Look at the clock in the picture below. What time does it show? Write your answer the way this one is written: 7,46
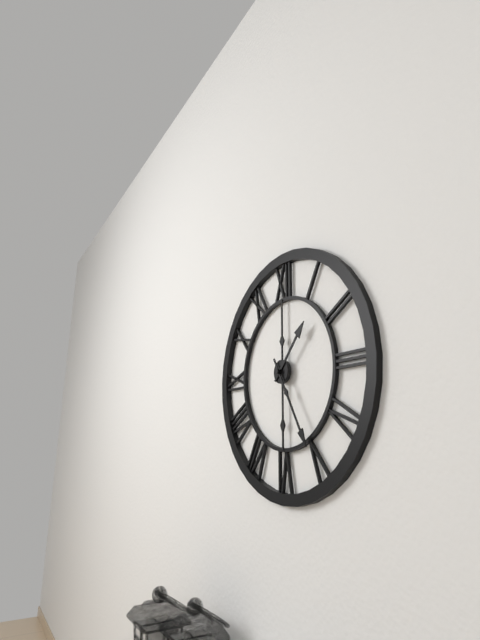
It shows 1,25
